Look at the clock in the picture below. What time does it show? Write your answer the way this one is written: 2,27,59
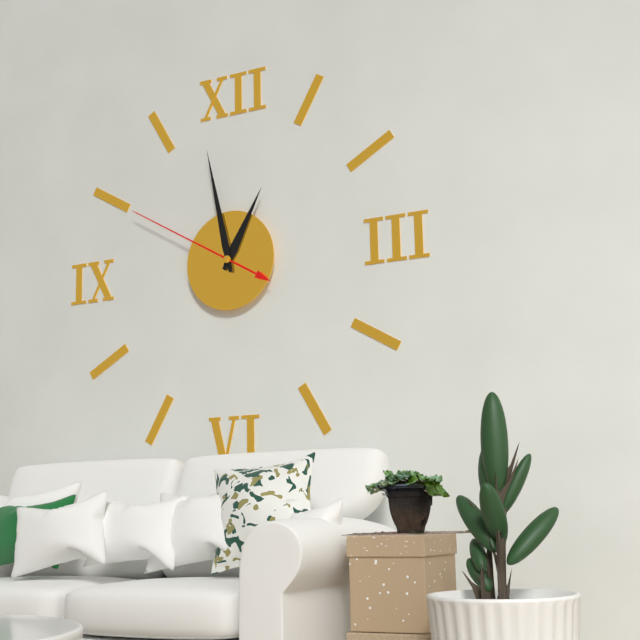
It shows 12,58,50
